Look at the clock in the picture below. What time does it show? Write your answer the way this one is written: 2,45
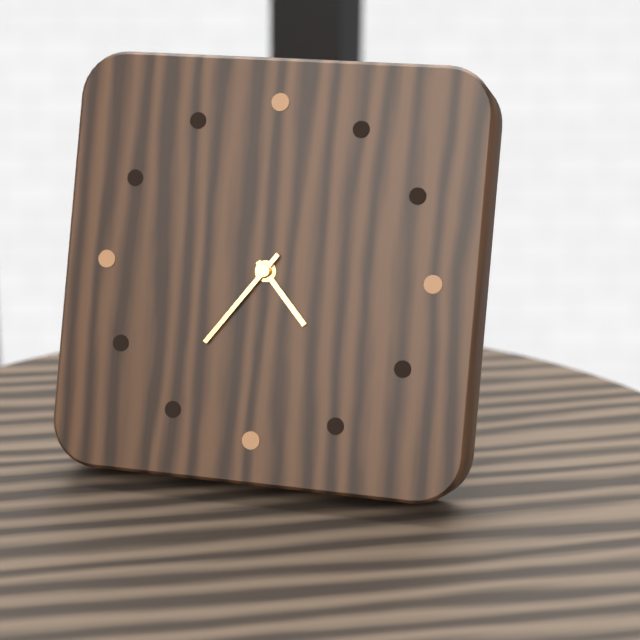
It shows 4,36
